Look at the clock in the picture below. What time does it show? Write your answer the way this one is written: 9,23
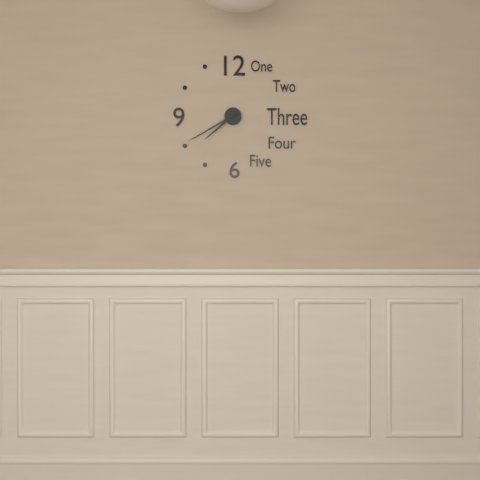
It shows 7,40
